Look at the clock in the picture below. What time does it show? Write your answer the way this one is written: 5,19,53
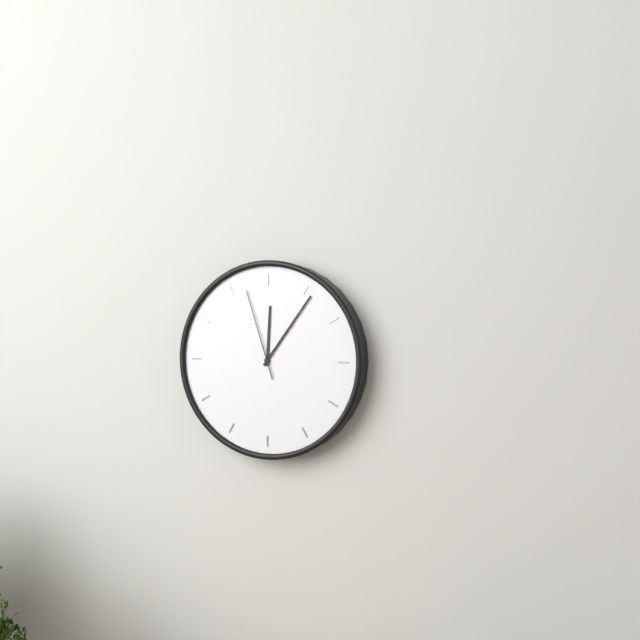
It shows 12,06,57
